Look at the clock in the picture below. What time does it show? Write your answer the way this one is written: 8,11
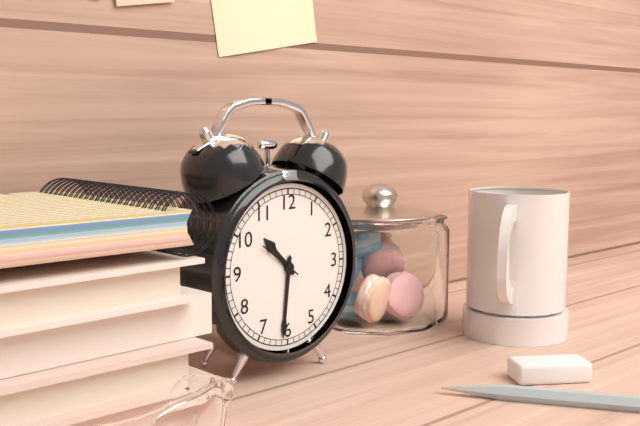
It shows 10,31
